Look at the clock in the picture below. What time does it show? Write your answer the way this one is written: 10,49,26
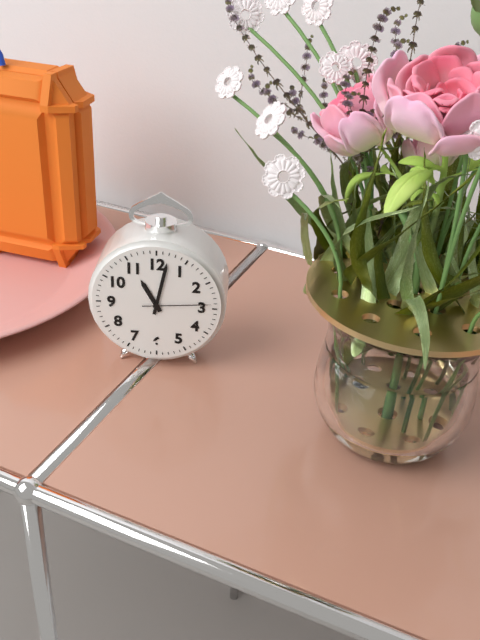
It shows 11,02,14
